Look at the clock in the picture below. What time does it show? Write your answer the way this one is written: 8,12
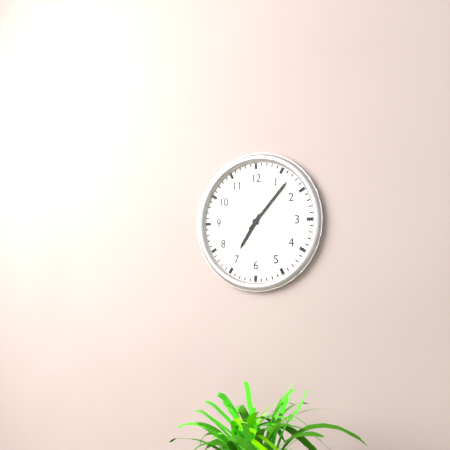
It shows 7,07
